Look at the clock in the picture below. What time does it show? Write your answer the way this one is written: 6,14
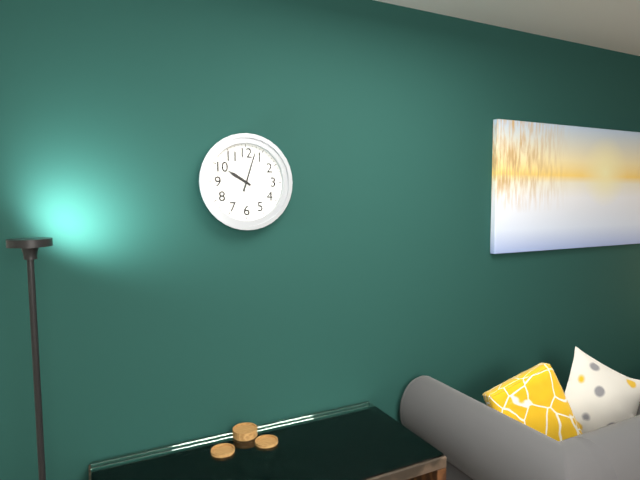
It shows 10,03
